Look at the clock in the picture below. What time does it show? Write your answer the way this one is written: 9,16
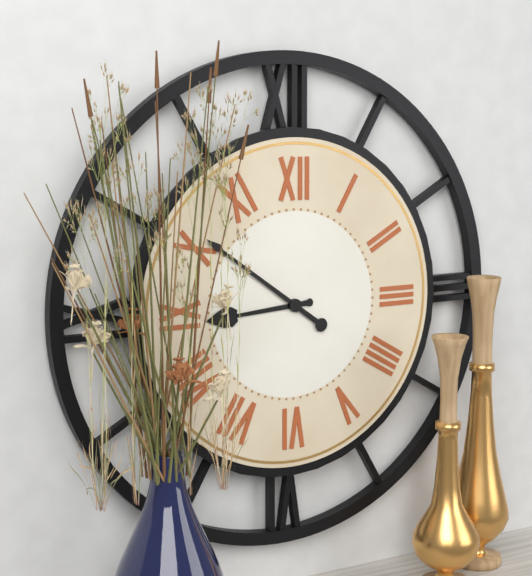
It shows 8,51
